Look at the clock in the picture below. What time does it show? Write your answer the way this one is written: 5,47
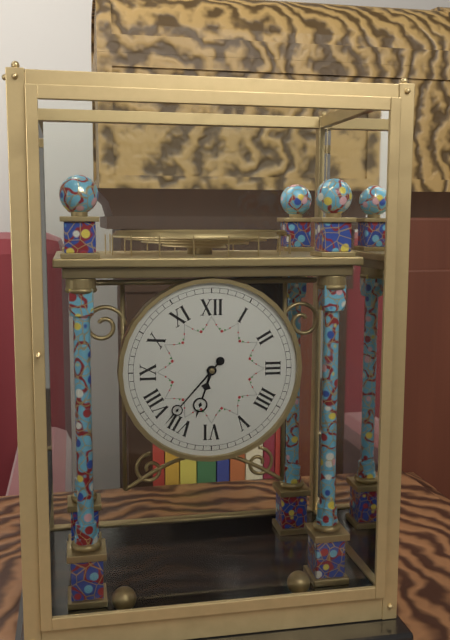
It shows 6,37
